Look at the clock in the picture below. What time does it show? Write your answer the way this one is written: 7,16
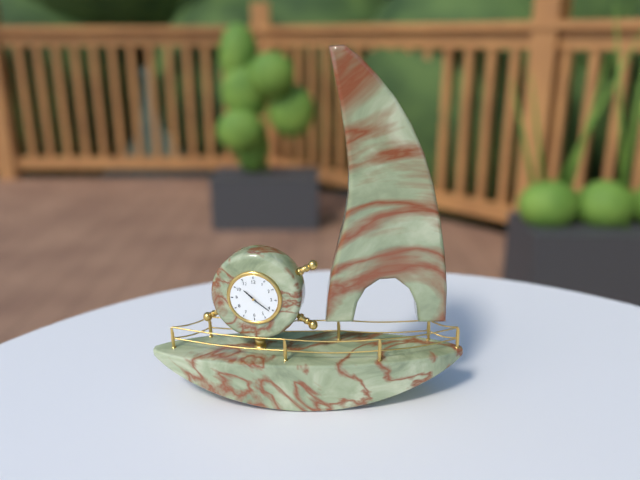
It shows 10,21
